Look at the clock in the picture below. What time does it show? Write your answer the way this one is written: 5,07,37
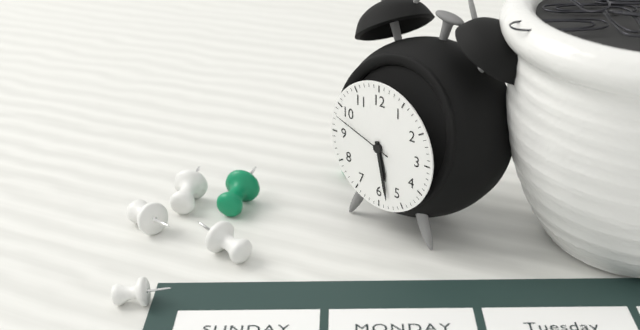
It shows 5,28,48
